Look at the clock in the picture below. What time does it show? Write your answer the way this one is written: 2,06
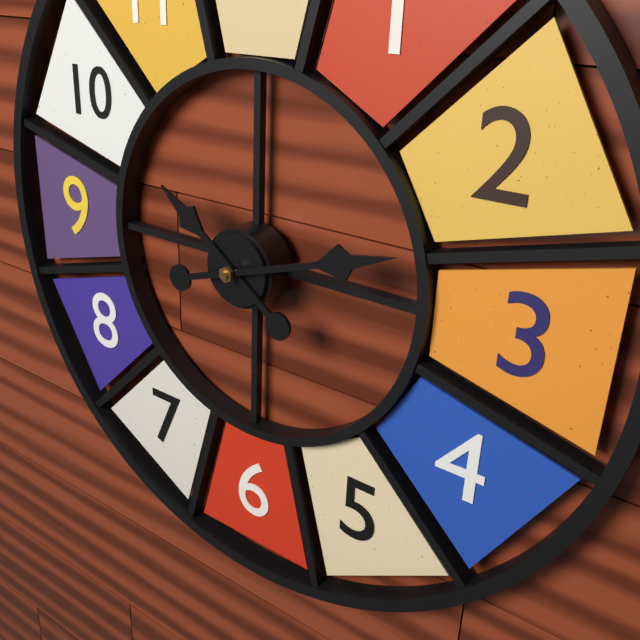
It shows 10,12
